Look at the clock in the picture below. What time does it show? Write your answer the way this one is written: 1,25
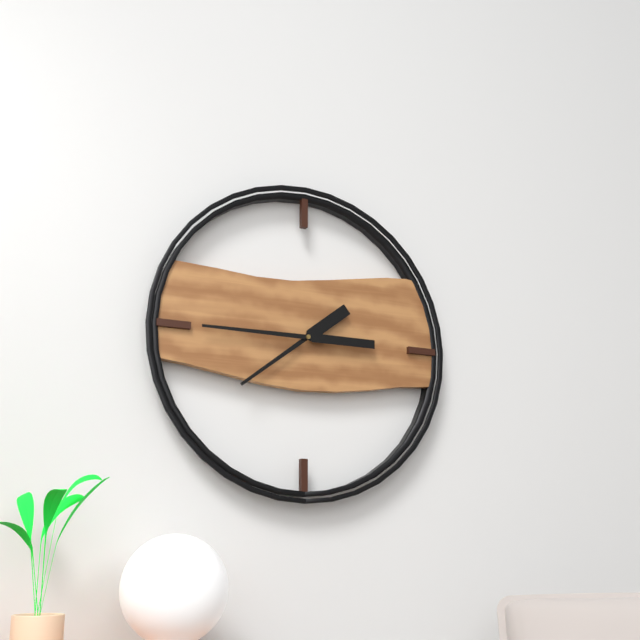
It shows 7,45
